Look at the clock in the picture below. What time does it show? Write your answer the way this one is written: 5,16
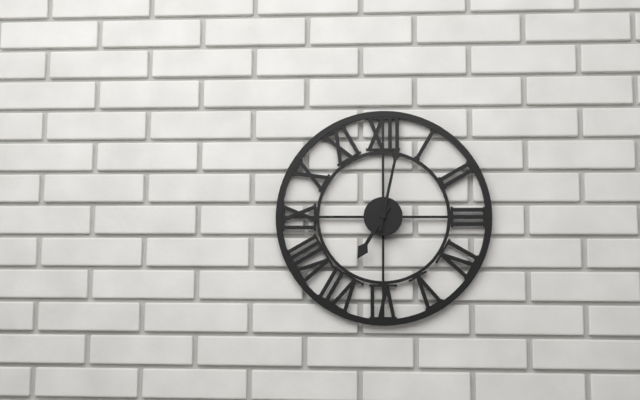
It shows 7,02
